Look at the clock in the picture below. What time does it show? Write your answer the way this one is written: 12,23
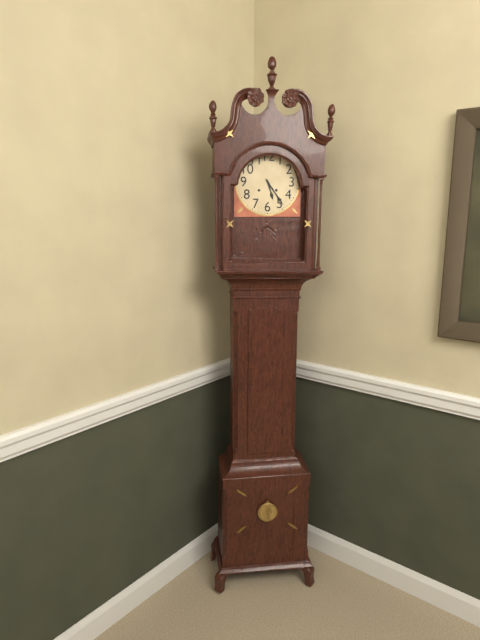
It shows 5,24
